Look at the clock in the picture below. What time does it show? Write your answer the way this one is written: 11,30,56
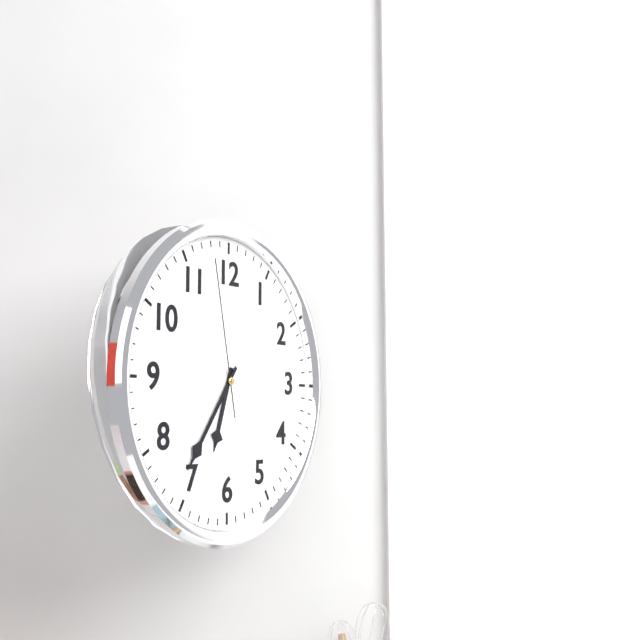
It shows 6,36,58
